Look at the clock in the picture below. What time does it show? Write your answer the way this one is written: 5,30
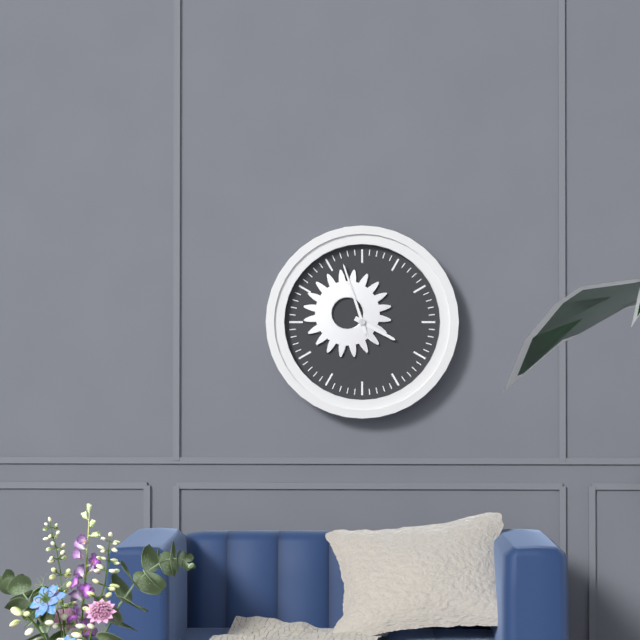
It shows 3,57
